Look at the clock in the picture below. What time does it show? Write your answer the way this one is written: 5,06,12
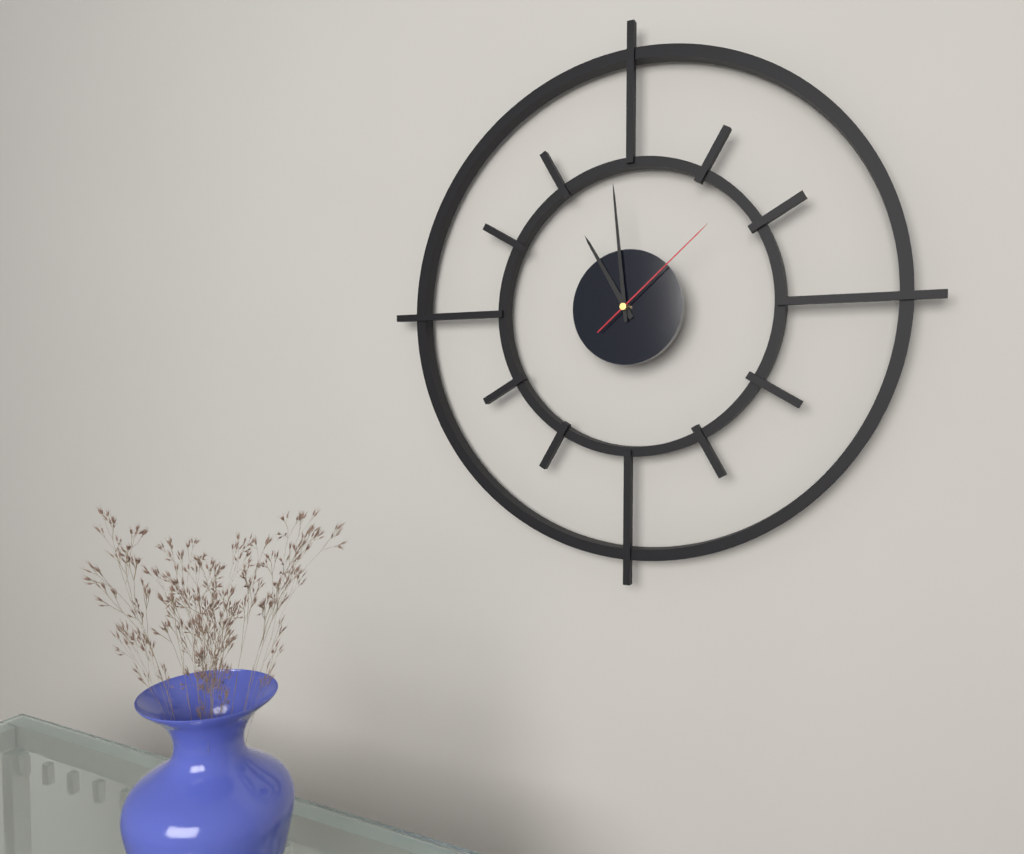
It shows 10,59,08
